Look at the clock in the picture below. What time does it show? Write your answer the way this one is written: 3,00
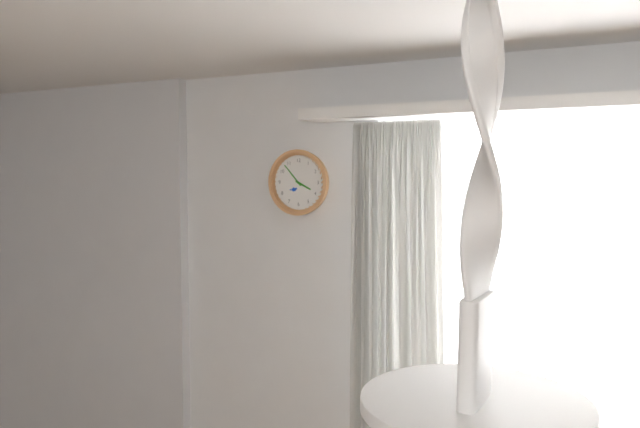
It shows 3,53
